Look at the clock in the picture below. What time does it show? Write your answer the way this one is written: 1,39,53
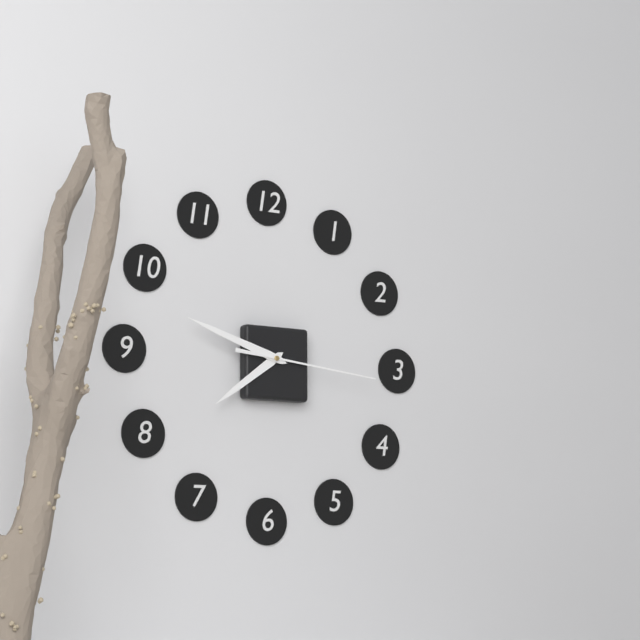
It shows 7,48,16
